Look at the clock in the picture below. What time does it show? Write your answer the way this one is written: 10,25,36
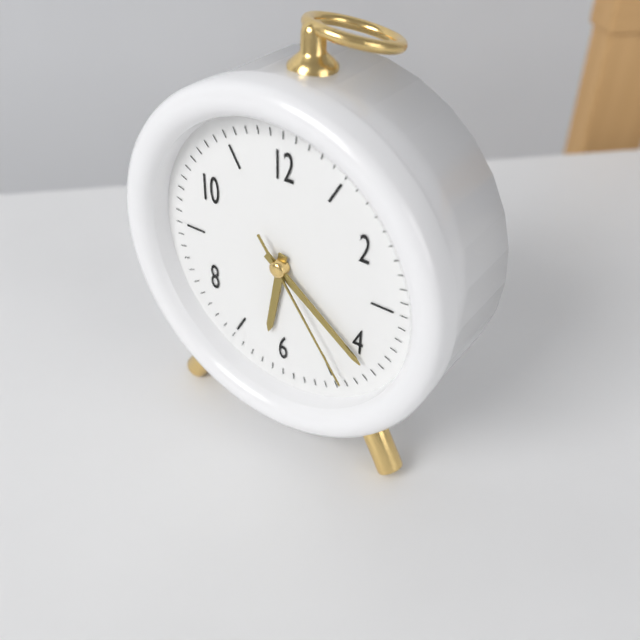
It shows 6,21,24
